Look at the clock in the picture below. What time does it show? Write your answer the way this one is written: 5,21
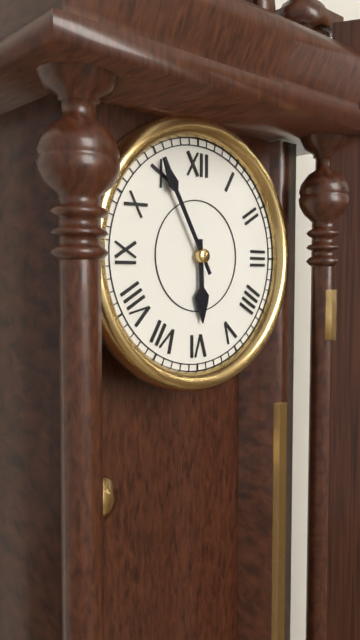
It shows 5,55
